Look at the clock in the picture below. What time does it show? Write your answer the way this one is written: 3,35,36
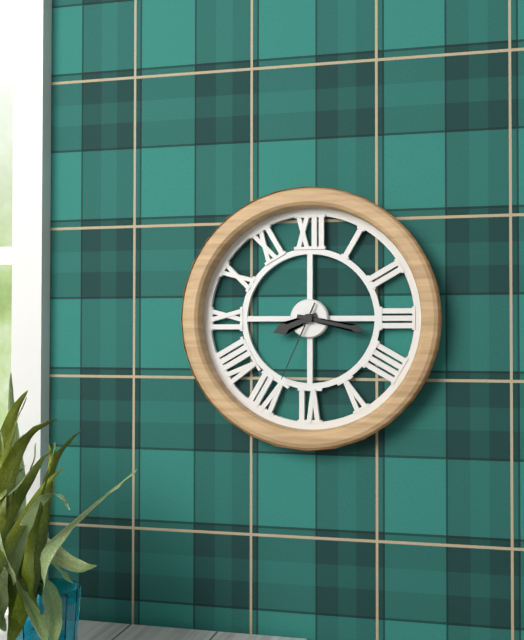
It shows 8,17,34
